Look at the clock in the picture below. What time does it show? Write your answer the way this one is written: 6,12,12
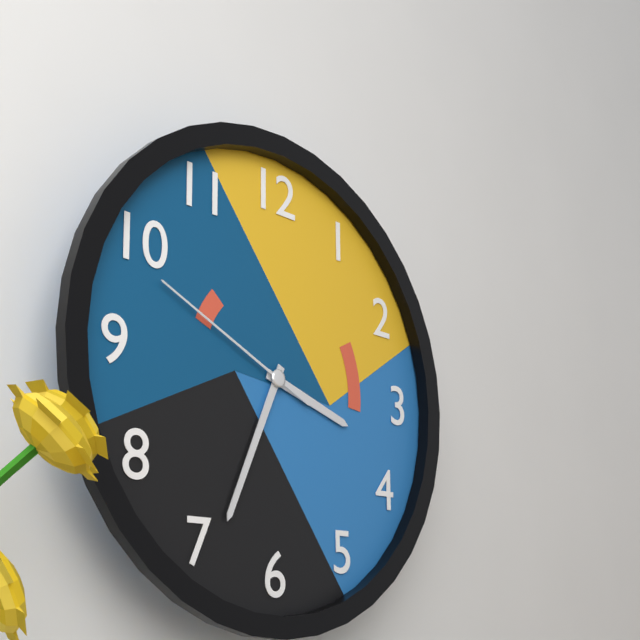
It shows 3,34,49
